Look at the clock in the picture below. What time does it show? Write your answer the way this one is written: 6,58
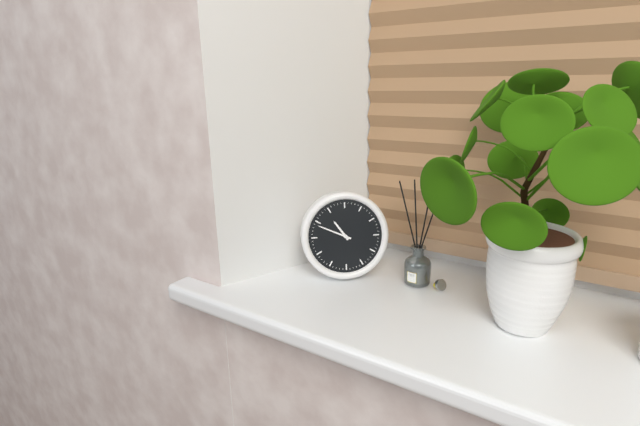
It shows 10,49
